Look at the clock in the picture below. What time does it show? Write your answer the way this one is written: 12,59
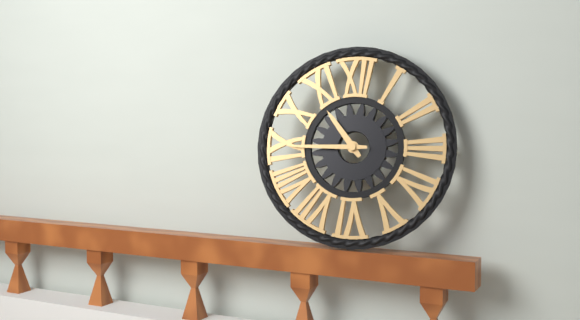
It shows 10,45
